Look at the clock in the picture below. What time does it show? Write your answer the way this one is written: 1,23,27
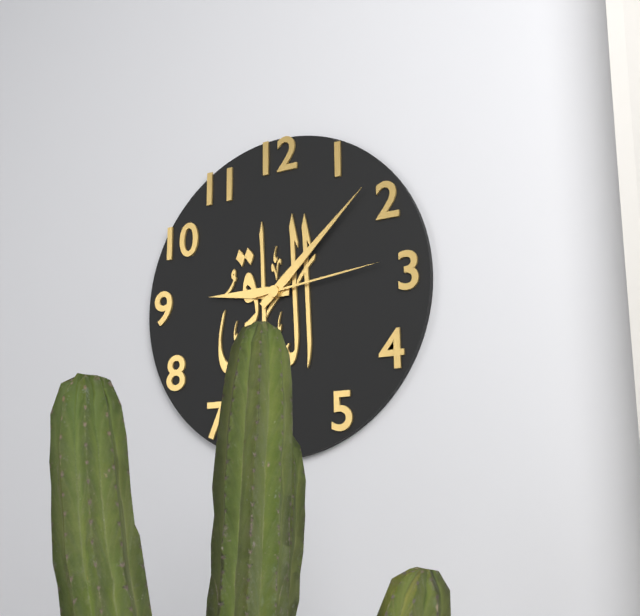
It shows 9,08,14
